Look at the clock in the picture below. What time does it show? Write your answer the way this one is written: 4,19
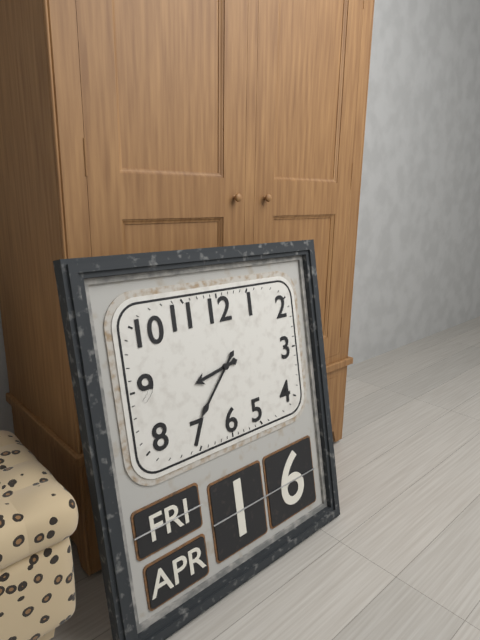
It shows 8,37
